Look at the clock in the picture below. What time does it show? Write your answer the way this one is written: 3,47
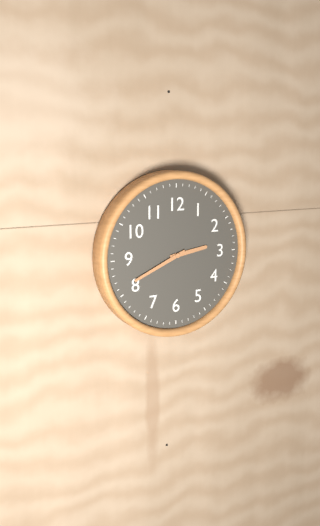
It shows 2,41
